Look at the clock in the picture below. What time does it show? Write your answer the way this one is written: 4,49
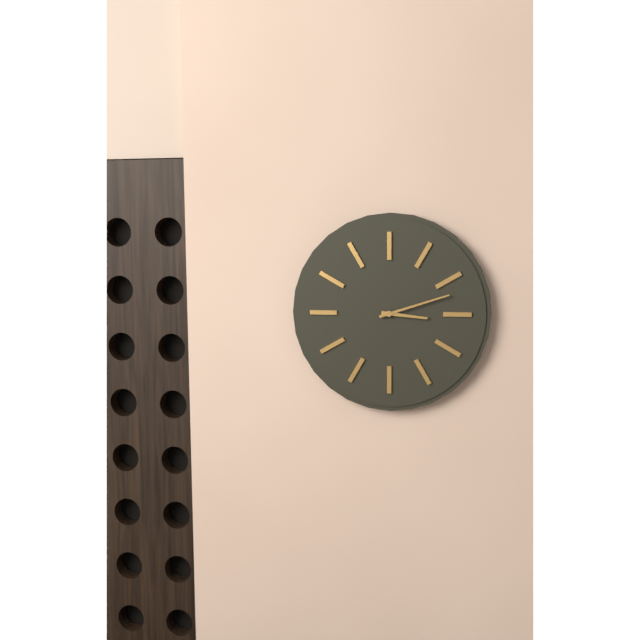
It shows 3,12
